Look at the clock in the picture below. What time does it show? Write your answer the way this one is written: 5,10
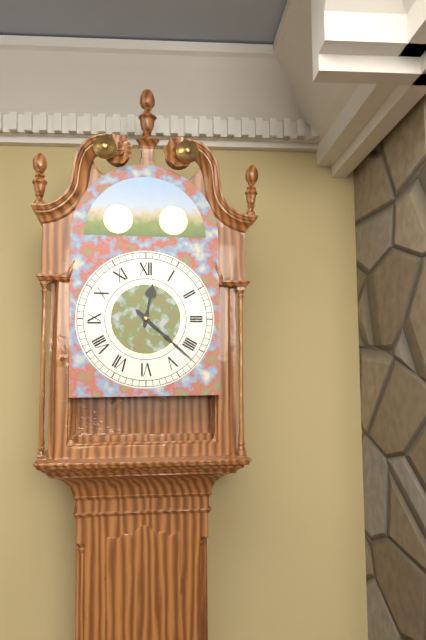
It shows 12,22
